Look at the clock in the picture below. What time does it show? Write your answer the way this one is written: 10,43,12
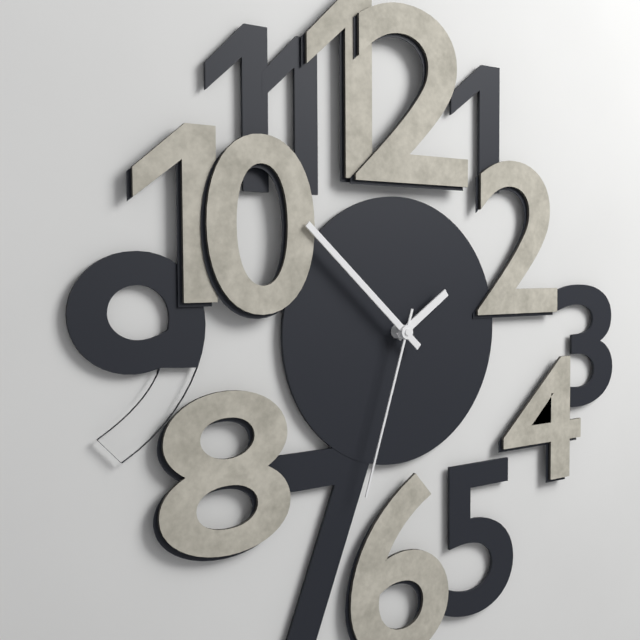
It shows 1,52,33
